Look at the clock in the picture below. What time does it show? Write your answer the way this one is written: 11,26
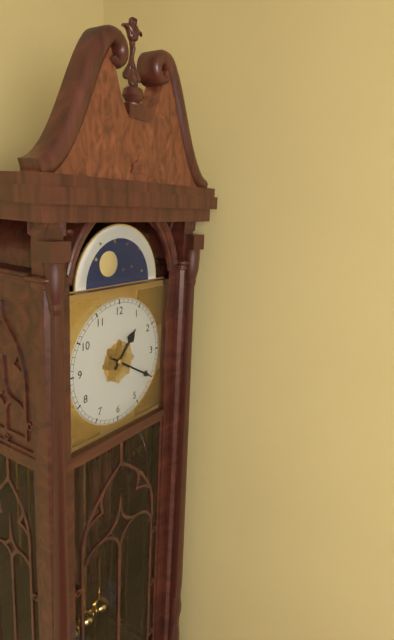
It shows 1,20
